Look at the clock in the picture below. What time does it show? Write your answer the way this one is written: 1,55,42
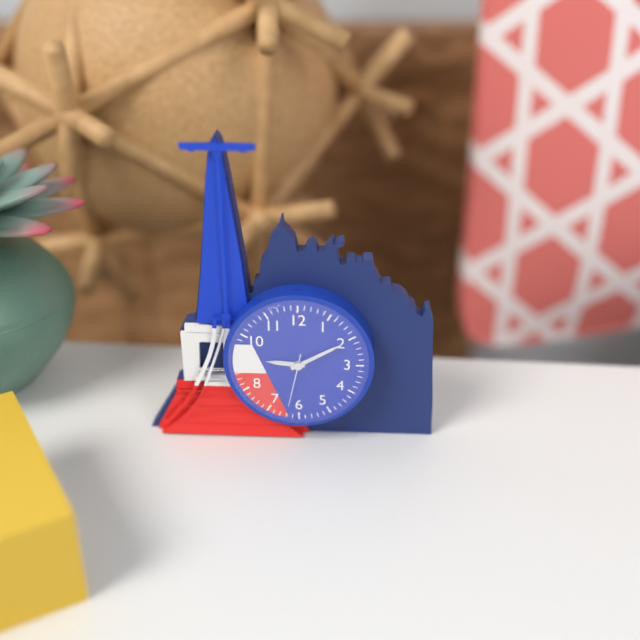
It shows 9,10,32
